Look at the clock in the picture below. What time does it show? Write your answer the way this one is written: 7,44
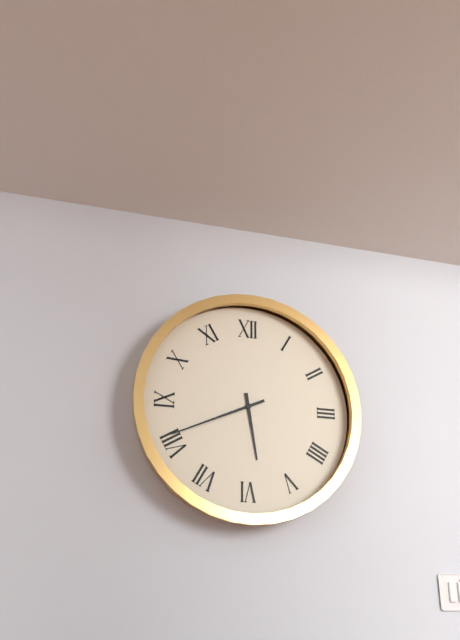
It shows 5,41
